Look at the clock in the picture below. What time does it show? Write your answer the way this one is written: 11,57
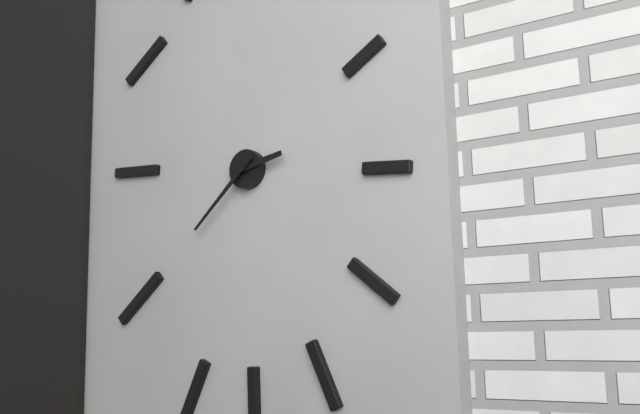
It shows 2,38
